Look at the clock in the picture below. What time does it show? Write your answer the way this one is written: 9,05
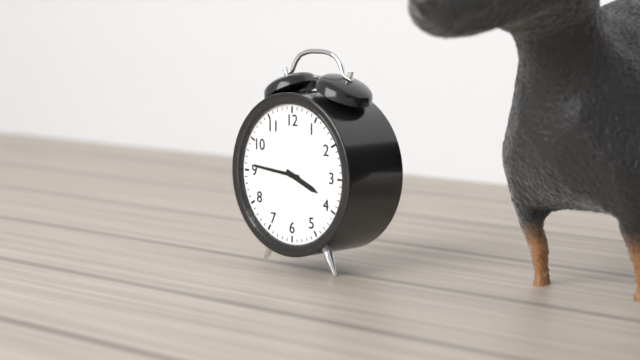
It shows 3,46
